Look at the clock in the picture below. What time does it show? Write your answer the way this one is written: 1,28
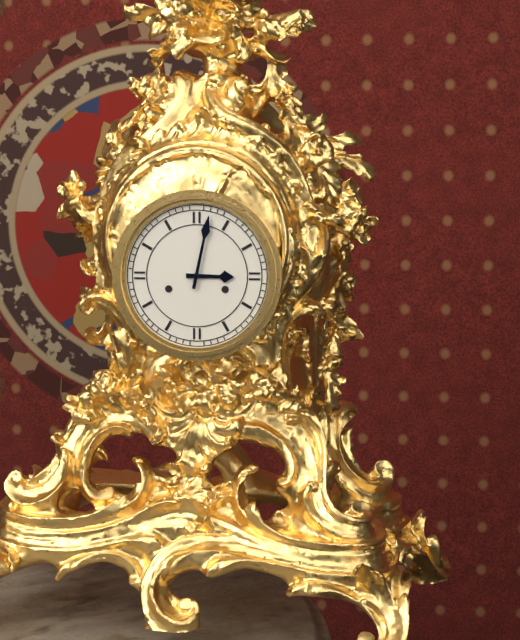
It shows 3,02
